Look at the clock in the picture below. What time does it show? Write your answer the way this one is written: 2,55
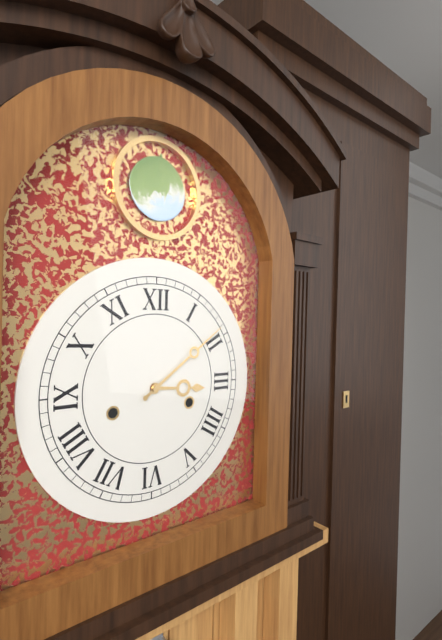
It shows 3,09
